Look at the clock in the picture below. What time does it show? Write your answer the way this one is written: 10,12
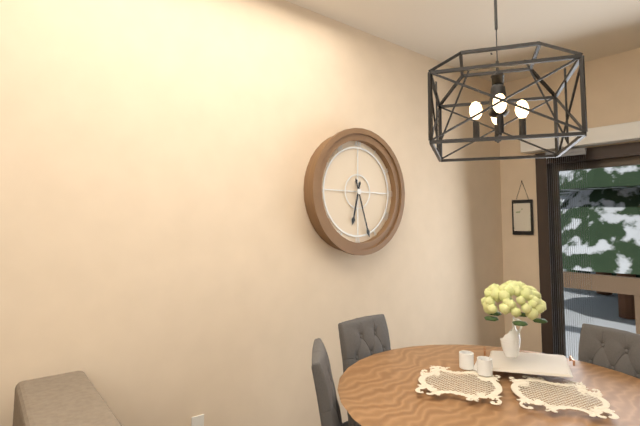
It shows 6,27
